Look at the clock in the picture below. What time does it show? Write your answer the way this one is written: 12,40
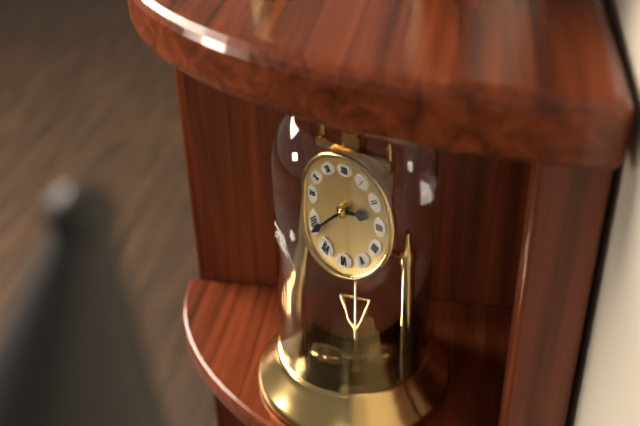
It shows 2,39
